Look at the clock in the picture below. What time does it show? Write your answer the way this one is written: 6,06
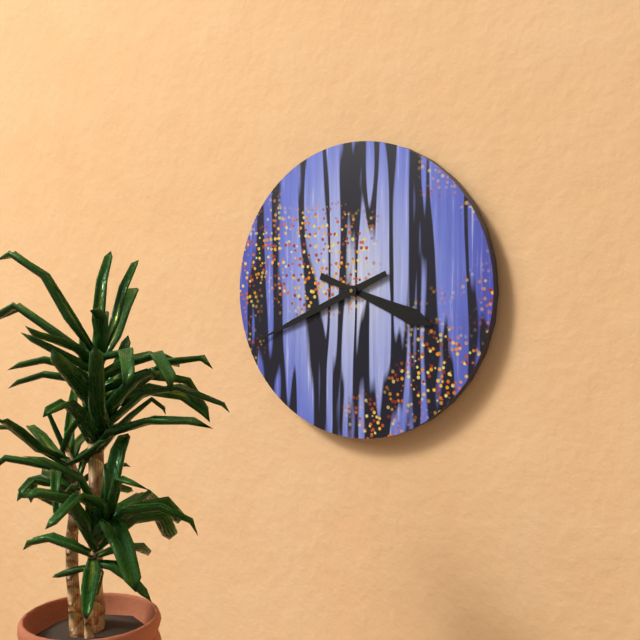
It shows 3,41
